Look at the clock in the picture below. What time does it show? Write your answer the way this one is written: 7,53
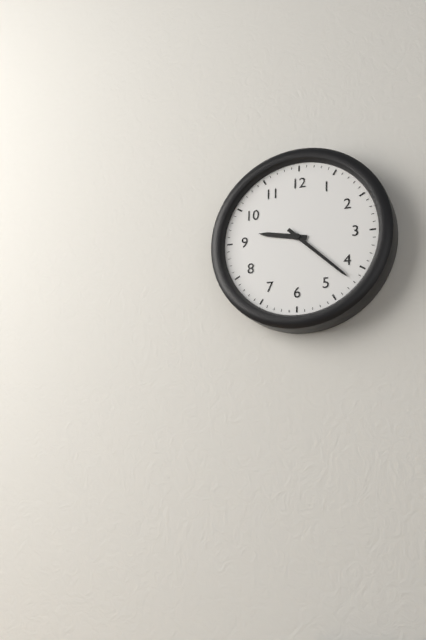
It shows 9,22
